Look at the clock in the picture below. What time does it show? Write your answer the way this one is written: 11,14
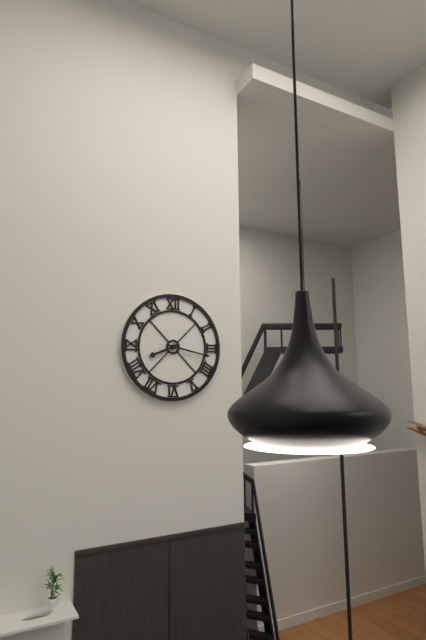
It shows 8,17
